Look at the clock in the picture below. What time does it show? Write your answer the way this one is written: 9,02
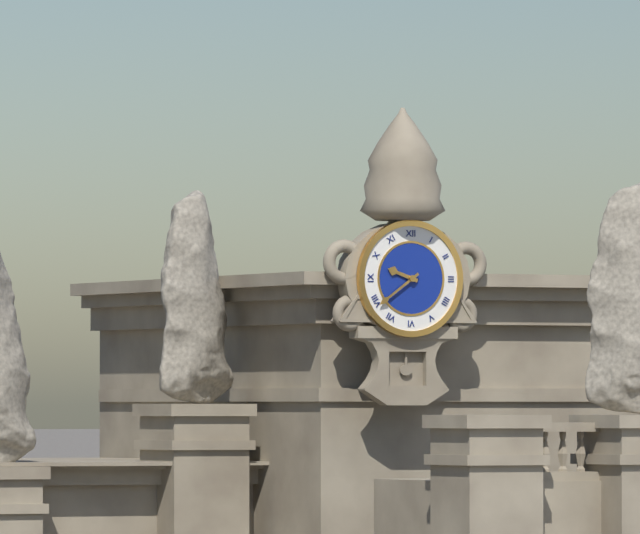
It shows 9,39
